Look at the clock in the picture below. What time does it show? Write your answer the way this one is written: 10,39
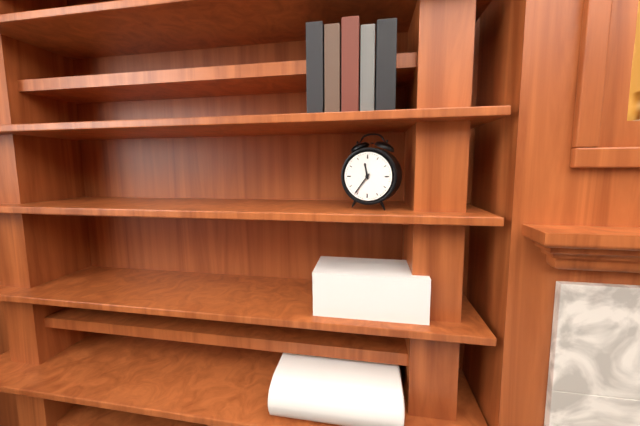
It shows 11,36
